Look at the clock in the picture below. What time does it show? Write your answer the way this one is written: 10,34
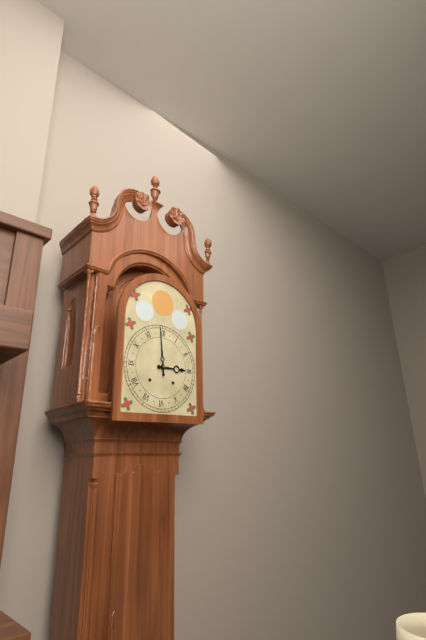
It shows 2,59
